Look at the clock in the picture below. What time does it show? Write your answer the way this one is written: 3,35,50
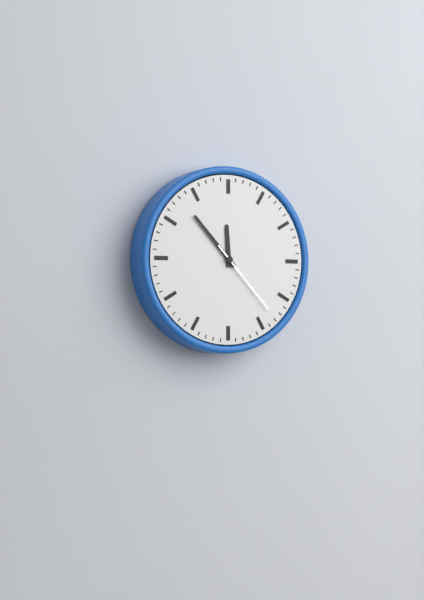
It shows 11,53,23
